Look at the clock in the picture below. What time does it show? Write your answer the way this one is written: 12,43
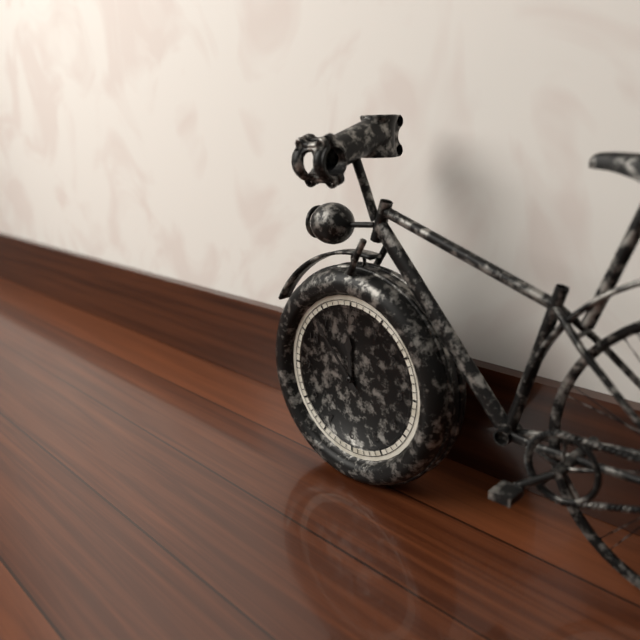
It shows 11,53
